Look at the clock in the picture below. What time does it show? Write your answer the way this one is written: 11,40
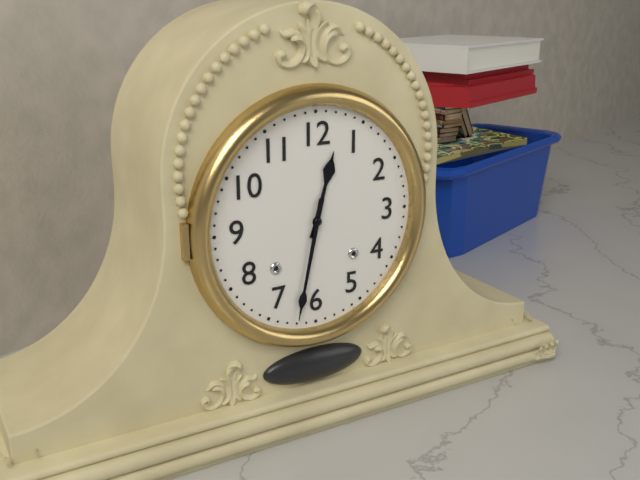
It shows 12,32
